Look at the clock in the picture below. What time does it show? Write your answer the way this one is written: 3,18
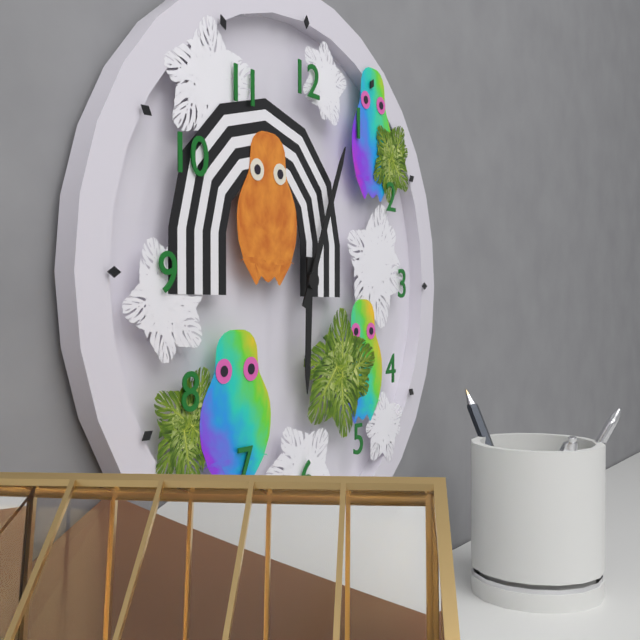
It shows 6,04
